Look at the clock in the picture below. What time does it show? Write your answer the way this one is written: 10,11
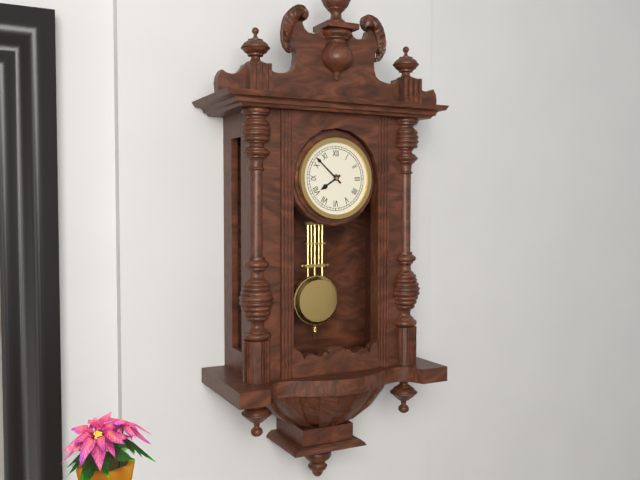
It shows 7,52
